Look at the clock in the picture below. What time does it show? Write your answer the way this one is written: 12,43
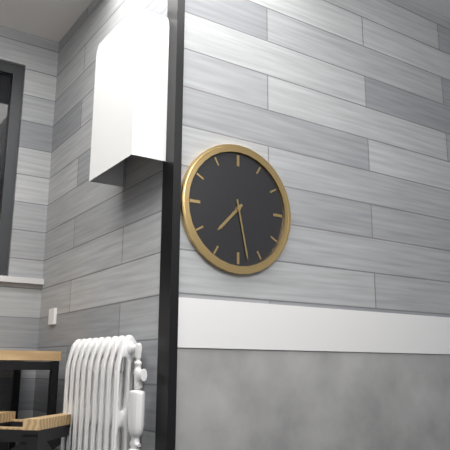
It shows 7,28
